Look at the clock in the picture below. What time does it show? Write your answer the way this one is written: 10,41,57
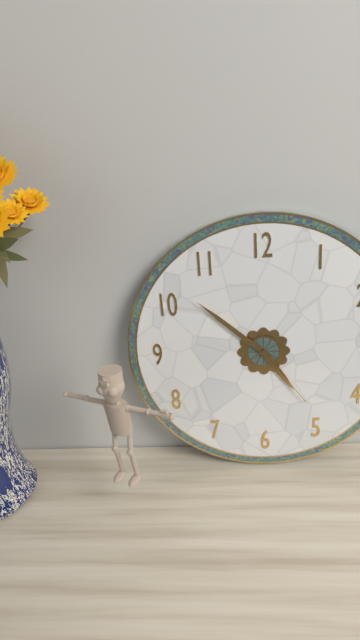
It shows 4,52,24
